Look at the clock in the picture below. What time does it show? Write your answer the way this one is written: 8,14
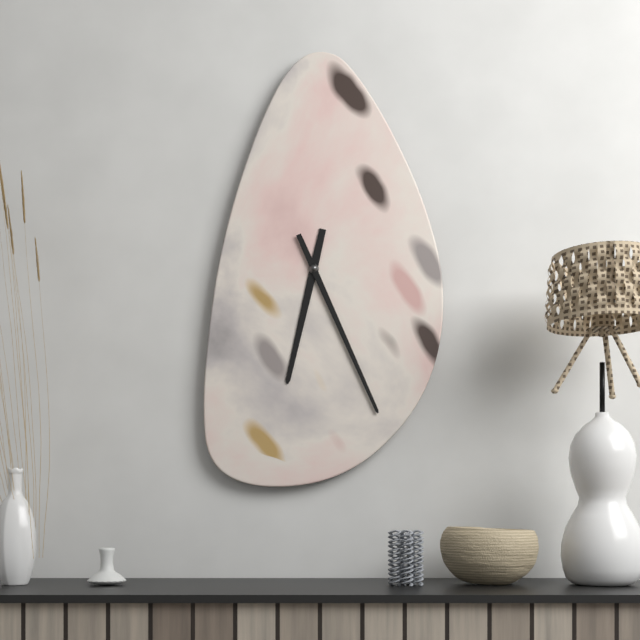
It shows 6,26
